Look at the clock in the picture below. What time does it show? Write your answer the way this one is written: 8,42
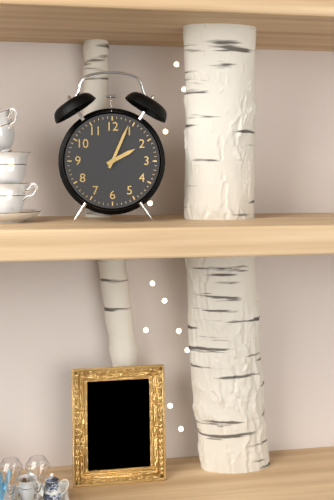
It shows 2,04
